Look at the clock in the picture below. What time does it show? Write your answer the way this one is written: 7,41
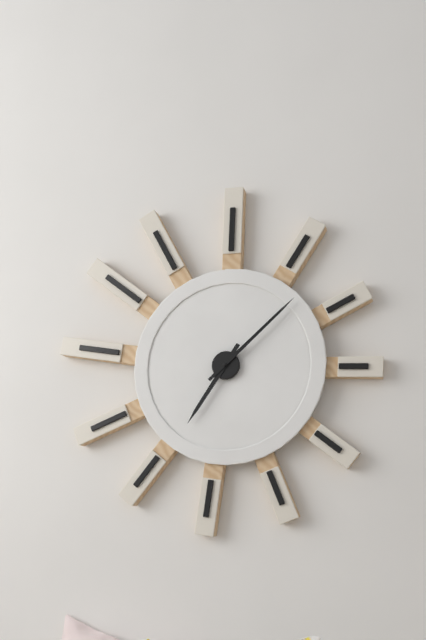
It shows 7,08
